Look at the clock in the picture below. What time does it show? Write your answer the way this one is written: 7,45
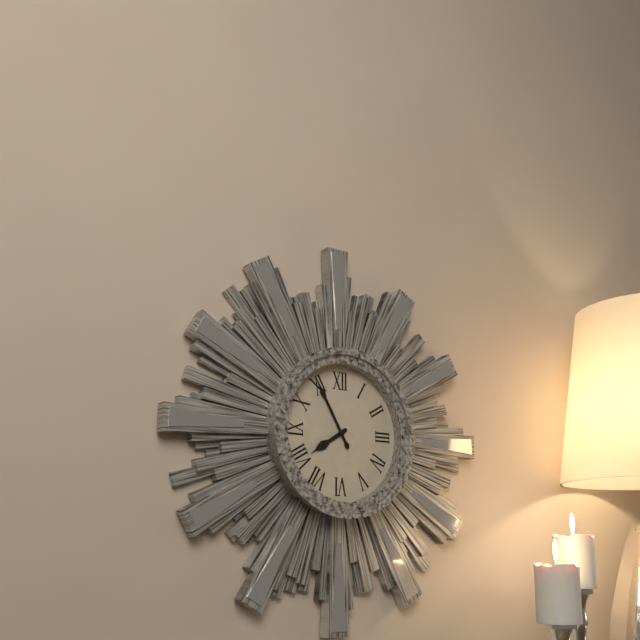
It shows 7,55
